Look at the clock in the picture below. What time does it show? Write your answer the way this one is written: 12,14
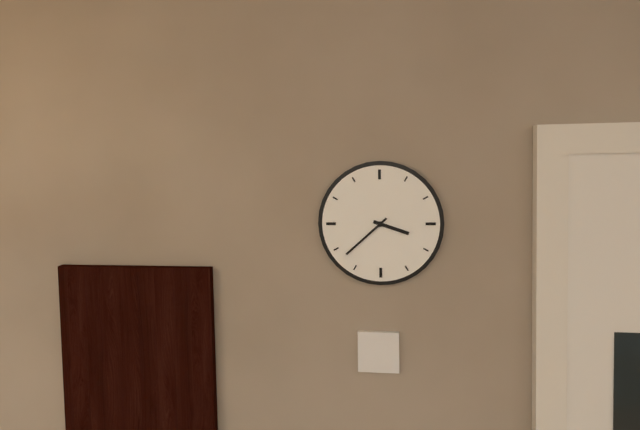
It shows 3,38
